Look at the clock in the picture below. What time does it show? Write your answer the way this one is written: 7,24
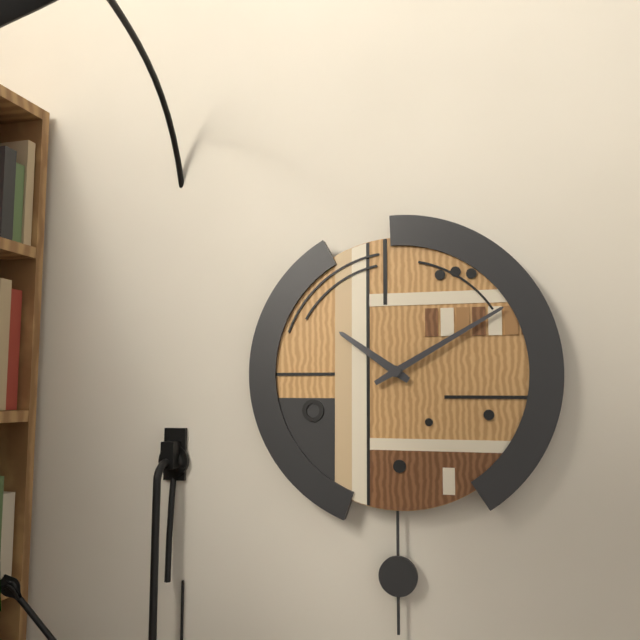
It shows 10,10
